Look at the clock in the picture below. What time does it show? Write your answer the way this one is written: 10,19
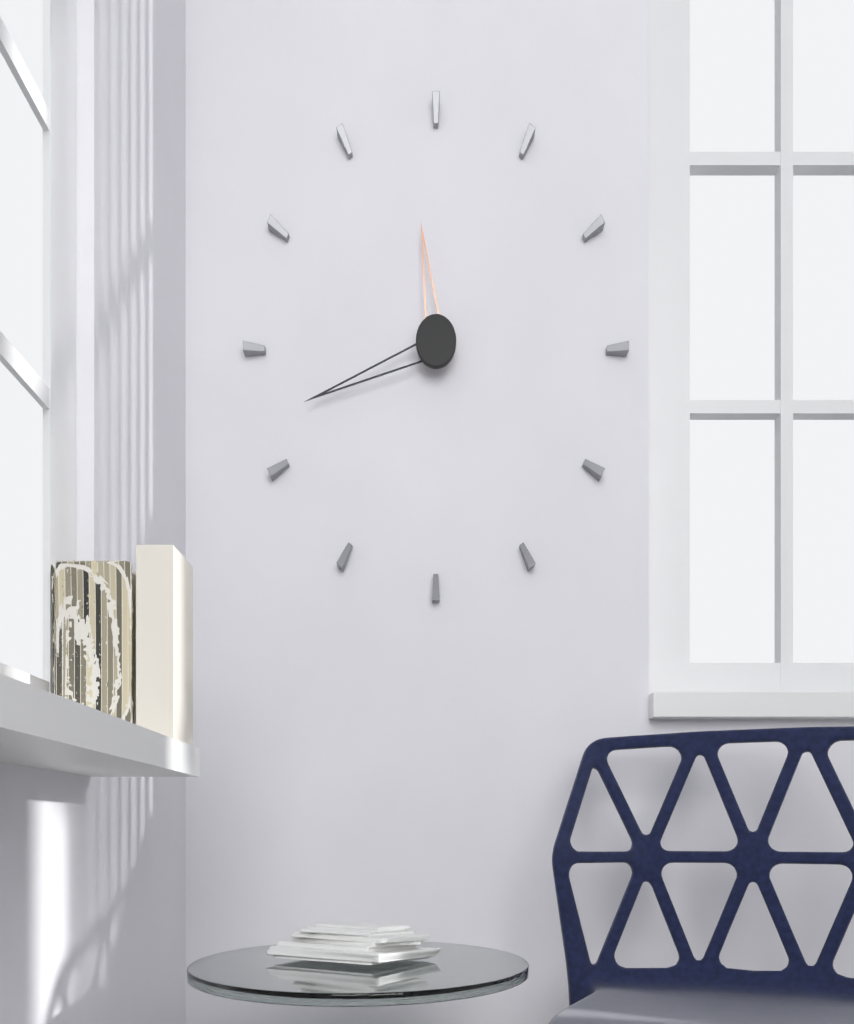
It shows 11,42
